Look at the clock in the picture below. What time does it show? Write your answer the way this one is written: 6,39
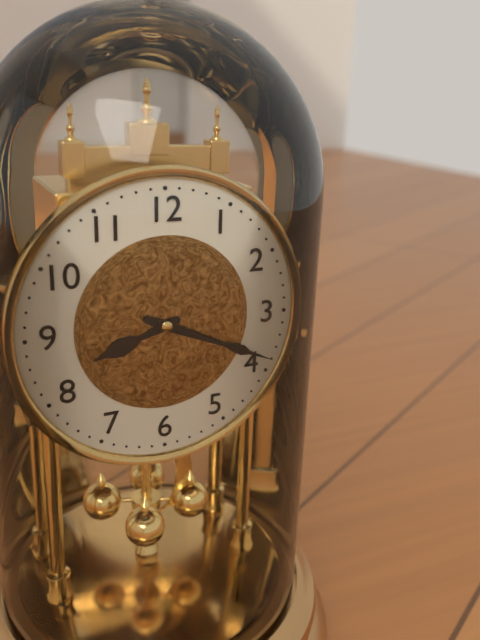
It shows 8,19
